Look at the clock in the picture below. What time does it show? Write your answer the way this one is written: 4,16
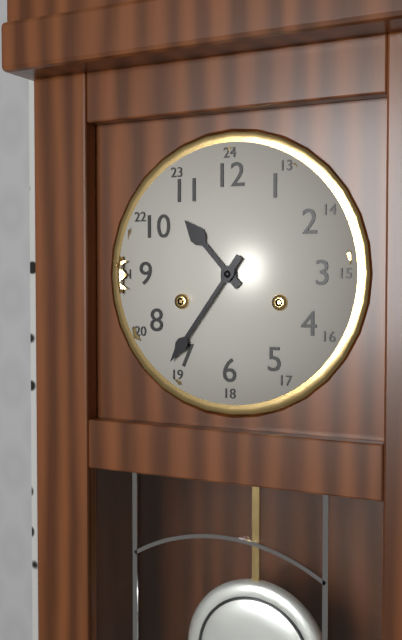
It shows 10,36
